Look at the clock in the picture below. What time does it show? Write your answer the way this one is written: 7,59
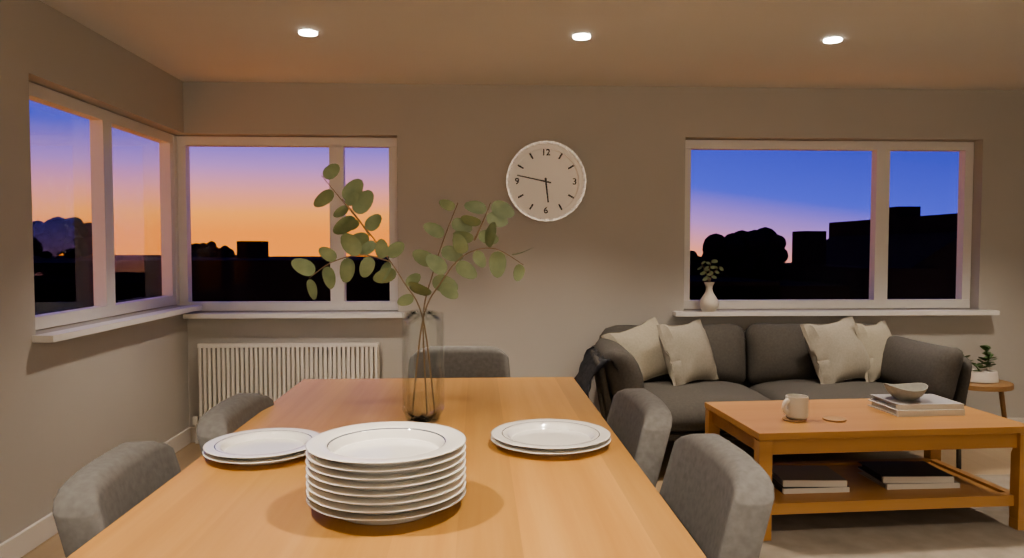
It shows 5,47
